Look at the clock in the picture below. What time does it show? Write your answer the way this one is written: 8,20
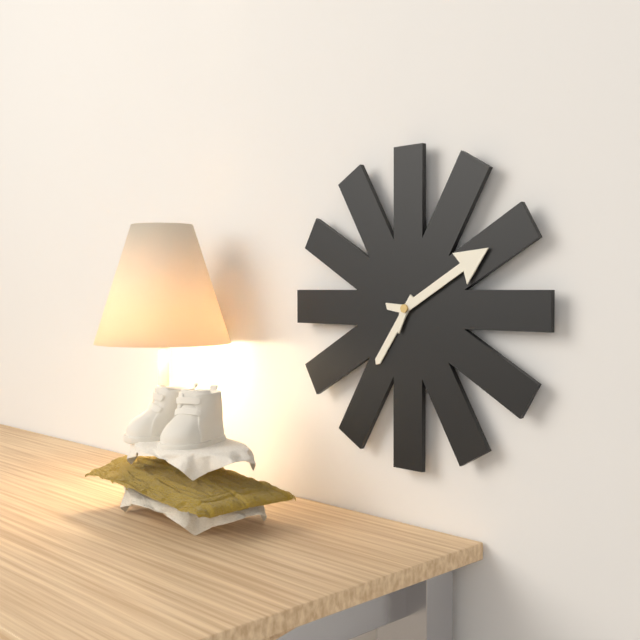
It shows 7,10
